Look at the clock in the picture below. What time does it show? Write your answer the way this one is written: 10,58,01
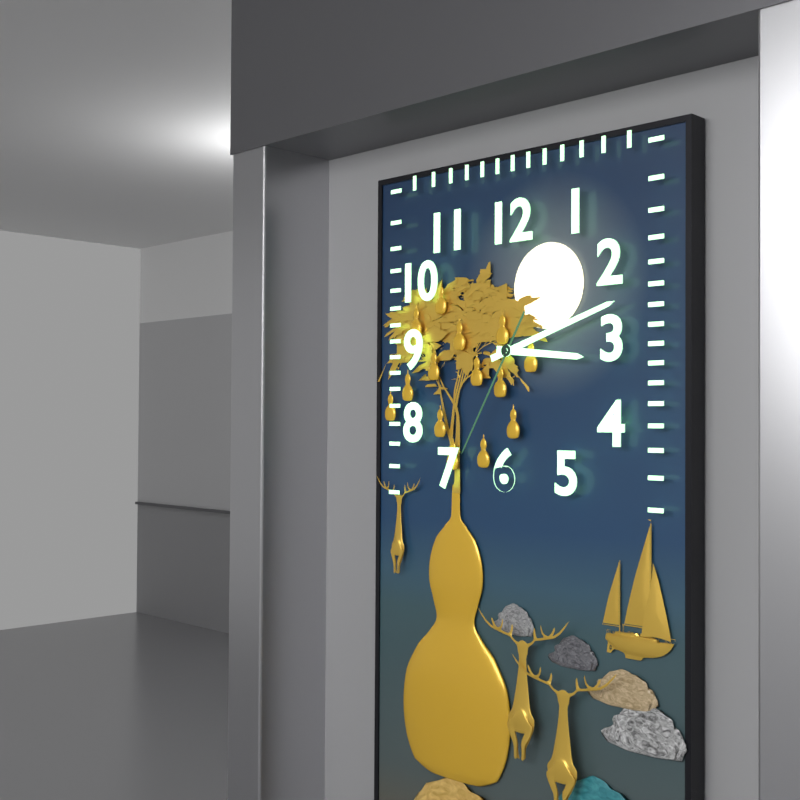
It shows 3,12,35
